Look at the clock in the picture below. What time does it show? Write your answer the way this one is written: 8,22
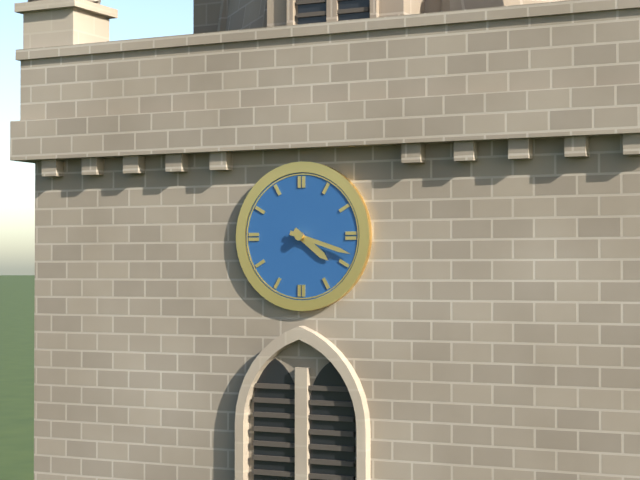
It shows 4,18
